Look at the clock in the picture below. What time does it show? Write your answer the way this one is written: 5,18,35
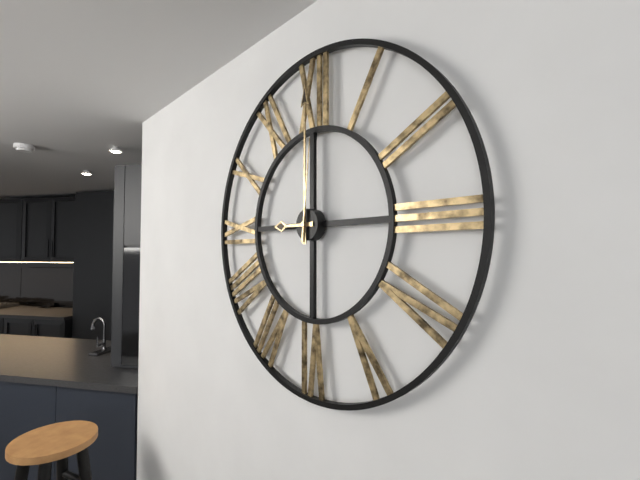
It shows 9,00,01
